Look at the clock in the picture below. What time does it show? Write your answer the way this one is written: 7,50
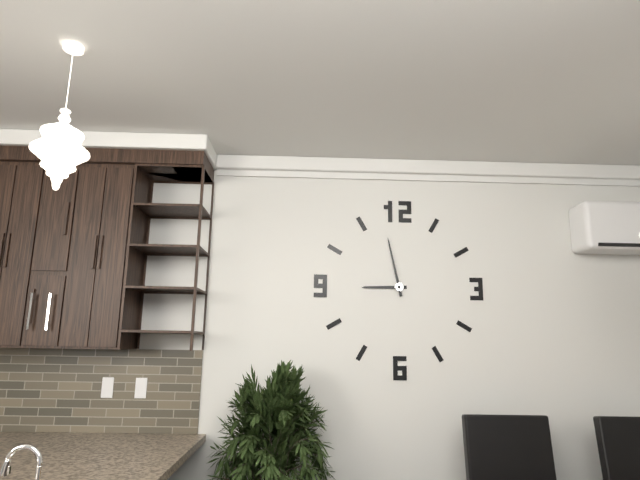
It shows 8,58
